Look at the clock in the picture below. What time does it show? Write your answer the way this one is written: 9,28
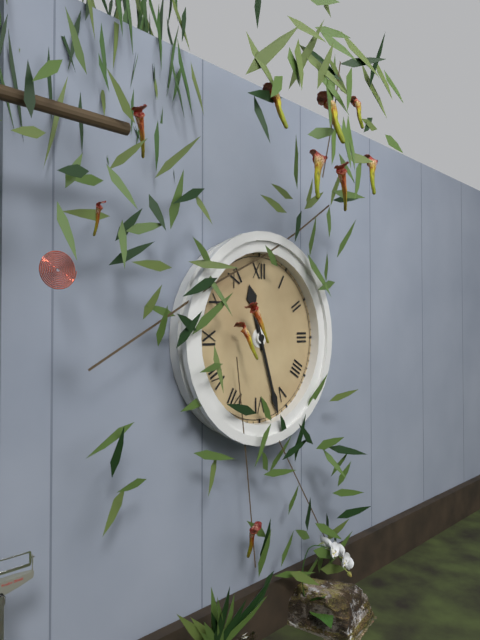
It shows 11,27
